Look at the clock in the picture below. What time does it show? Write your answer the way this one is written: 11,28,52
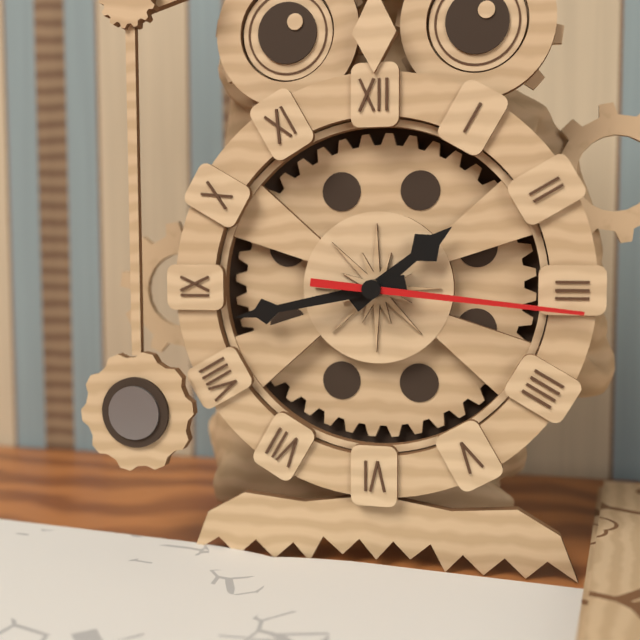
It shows 1,43,16
